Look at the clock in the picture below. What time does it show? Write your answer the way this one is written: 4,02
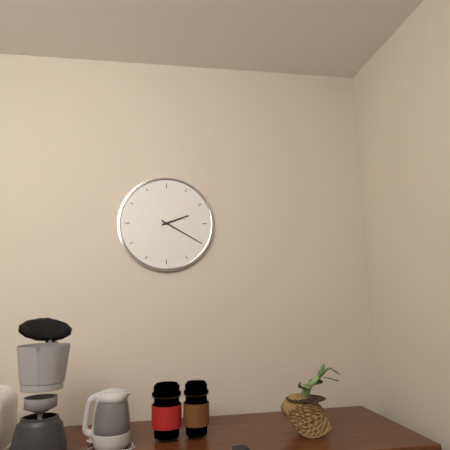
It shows 2,20
